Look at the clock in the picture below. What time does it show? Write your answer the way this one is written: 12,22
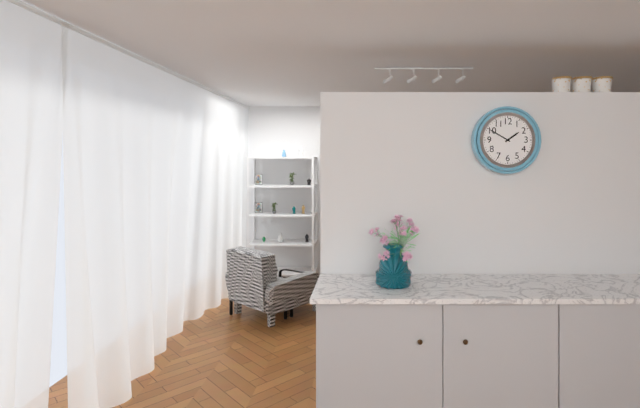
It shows 1,50
